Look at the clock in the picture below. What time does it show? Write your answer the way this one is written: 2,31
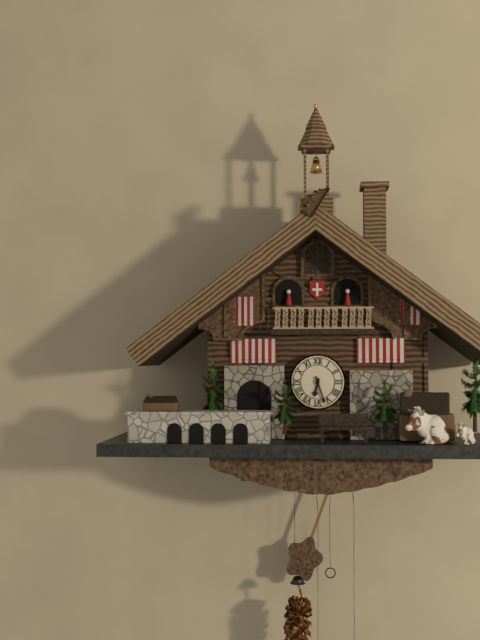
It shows 6,27
